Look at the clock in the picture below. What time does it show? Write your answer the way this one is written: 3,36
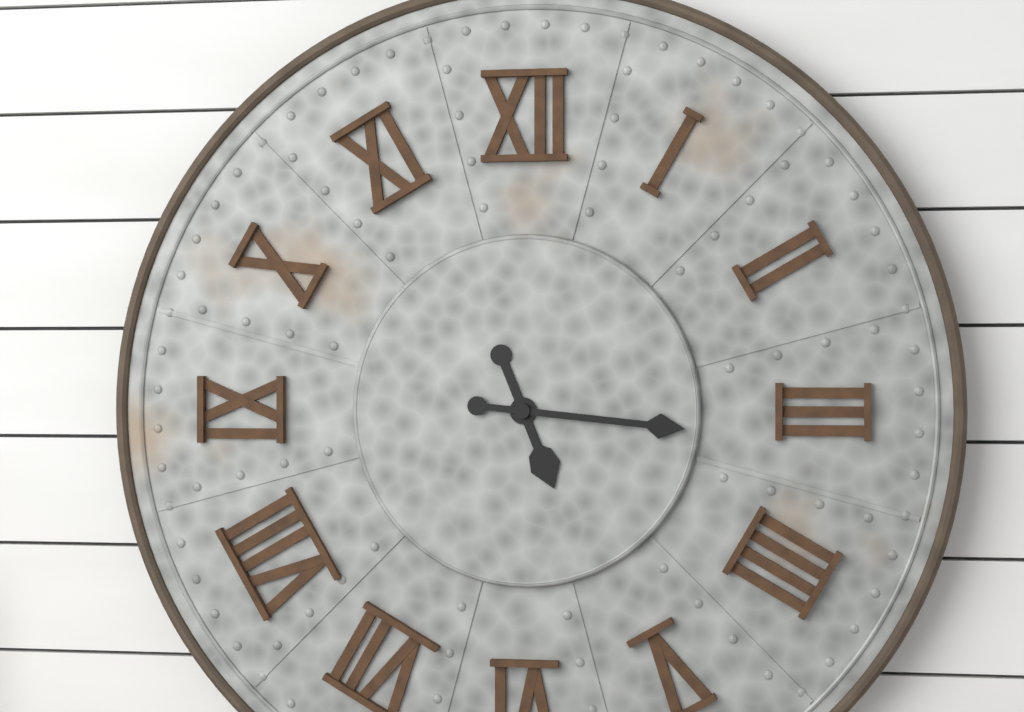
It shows 5,16
